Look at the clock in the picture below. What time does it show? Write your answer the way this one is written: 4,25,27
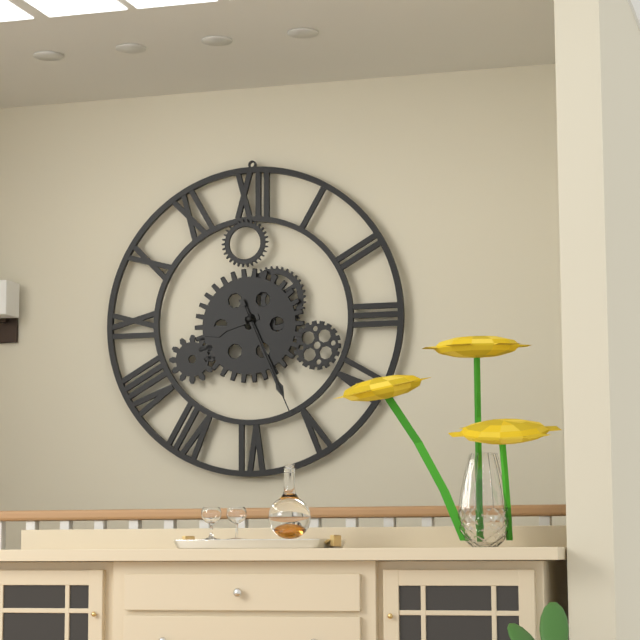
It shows 8,26,26
